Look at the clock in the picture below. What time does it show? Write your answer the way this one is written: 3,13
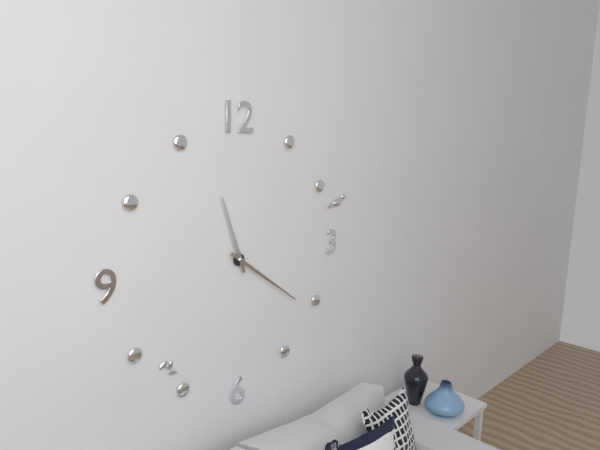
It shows 11,21
